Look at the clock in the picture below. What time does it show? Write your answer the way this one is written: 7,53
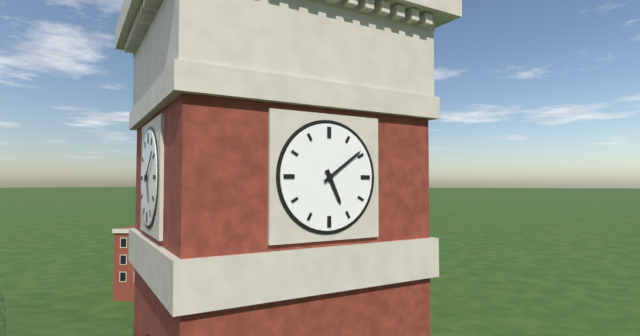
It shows 5,09
